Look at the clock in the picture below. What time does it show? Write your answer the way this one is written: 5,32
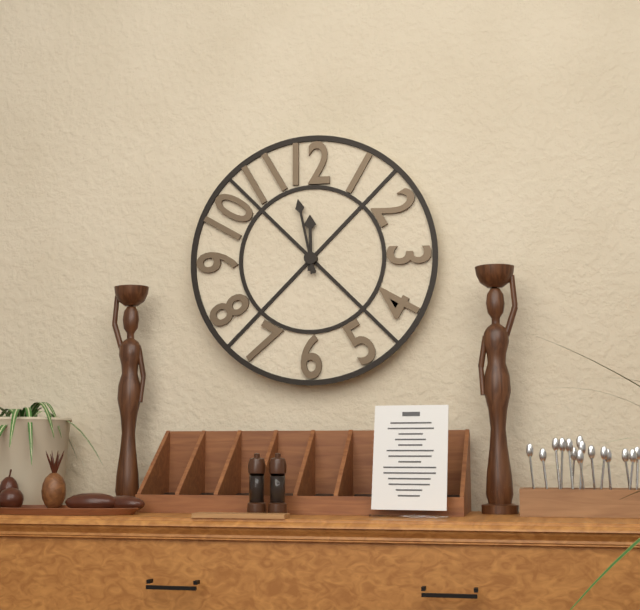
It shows 11,58
